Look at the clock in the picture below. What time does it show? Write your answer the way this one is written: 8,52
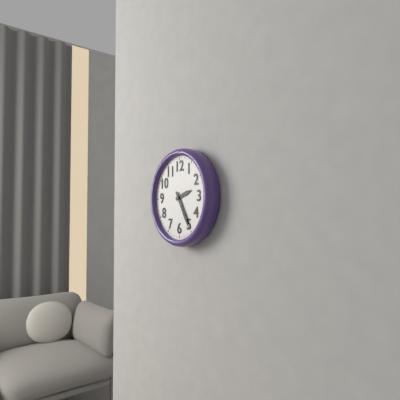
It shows 2,25
